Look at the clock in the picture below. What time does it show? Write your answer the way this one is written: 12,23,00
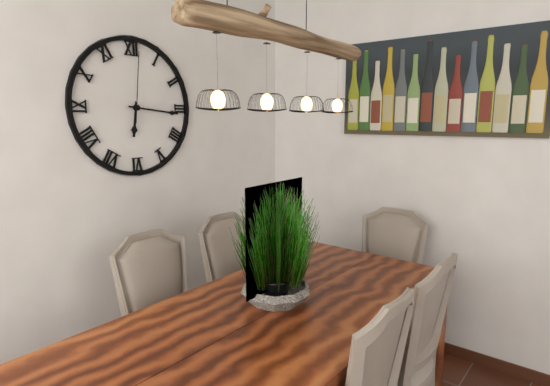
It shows 6,16,01
